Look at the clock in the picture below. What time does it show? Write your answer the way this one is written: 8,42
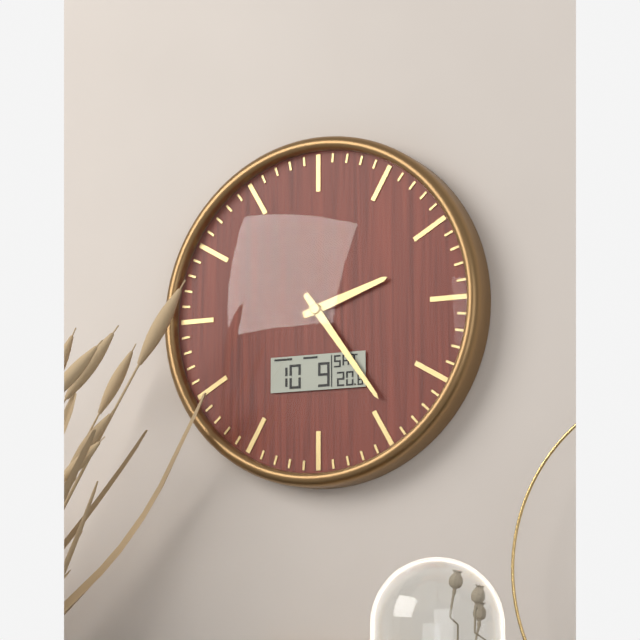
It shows 2,24
